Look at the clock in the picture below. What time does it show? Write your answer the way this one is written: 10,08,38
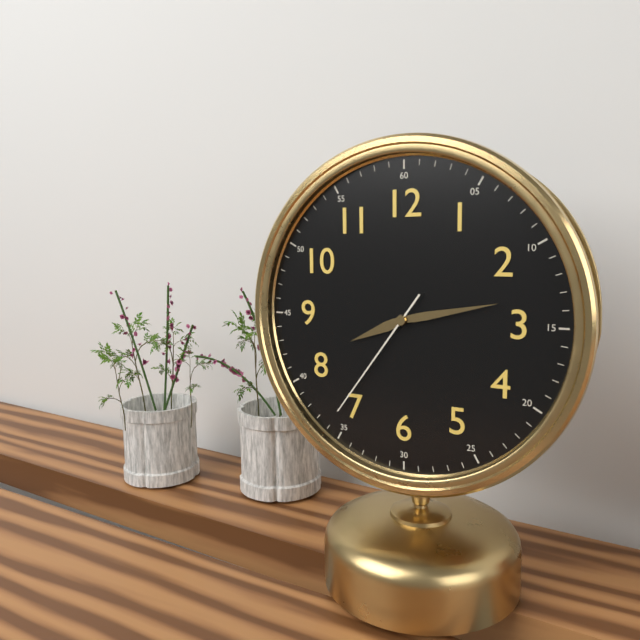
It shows 8,13,36
